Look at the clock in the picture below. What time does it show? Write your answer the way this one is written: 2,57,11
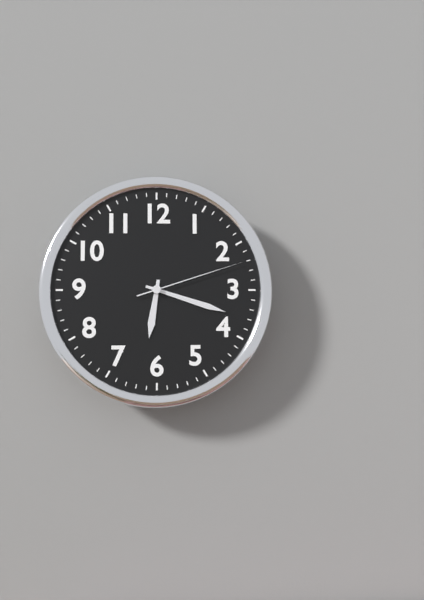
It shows 6,18,12
